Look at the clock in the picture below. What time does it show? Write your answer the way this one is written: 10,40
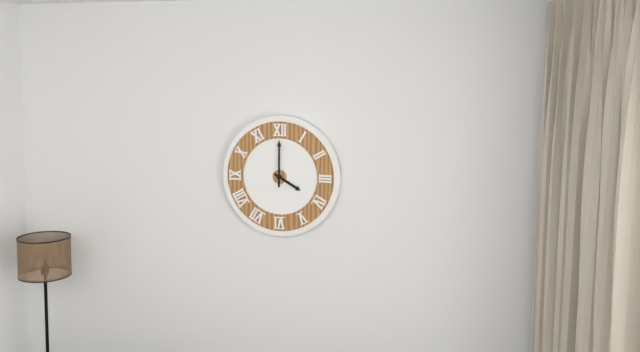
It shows 4,00
